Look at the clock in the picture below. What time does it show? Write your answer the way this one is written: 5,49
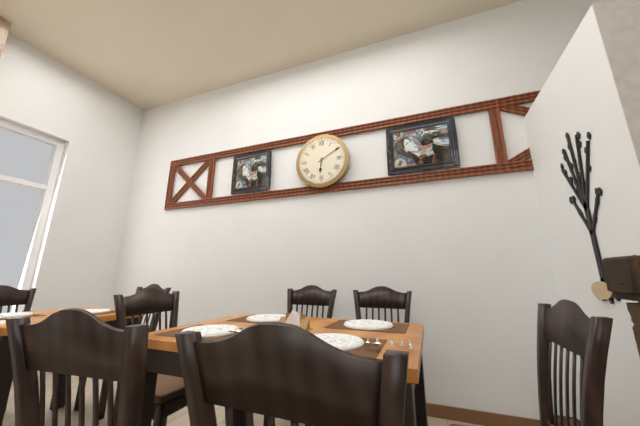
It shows 6,10
